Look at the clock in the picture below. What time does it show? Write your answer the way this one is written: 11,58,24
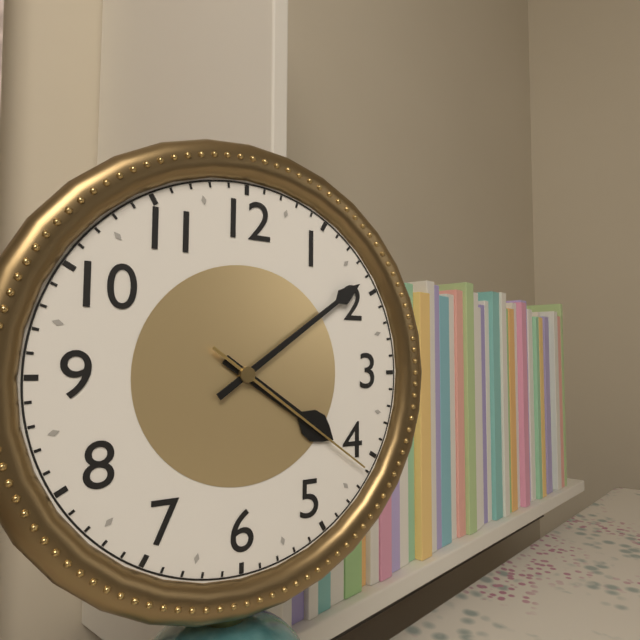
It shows 4,09,21
